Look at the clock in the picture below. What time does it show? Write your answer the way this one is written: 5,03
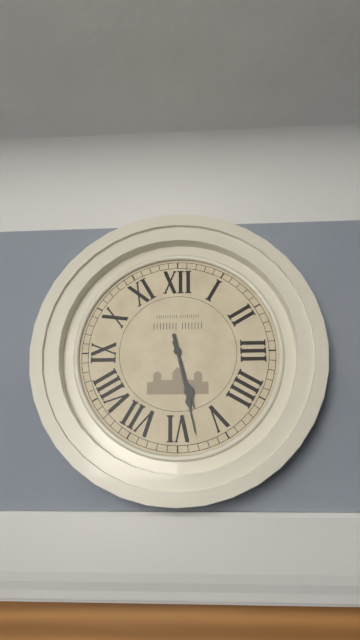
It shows 5,28
